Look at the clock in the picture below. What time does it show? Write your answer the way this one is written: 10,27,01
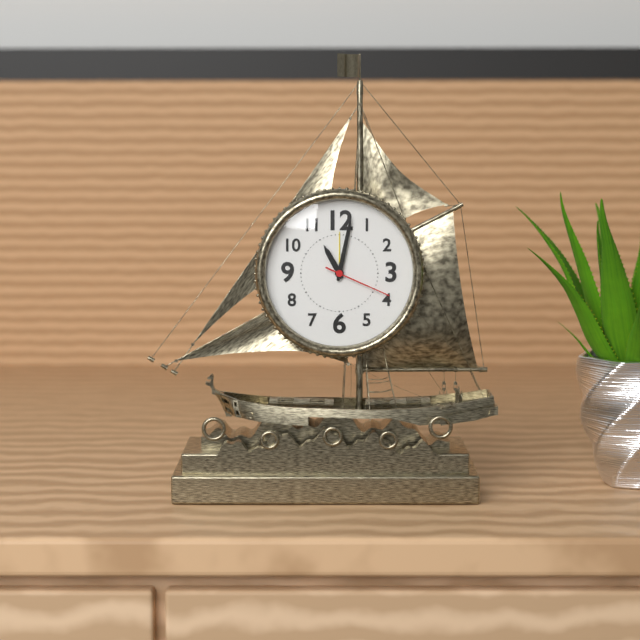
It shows 11,02,19
